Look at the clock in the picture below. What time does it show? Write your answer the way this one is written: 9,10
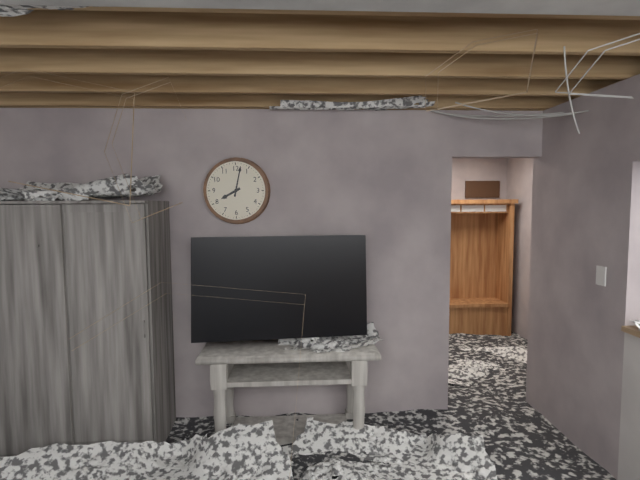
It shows 8,02
